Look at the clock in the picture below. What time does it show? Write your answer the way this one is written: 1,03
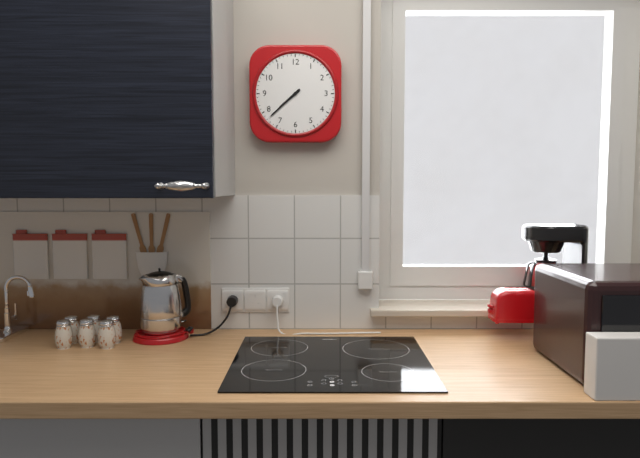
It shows 7,38
